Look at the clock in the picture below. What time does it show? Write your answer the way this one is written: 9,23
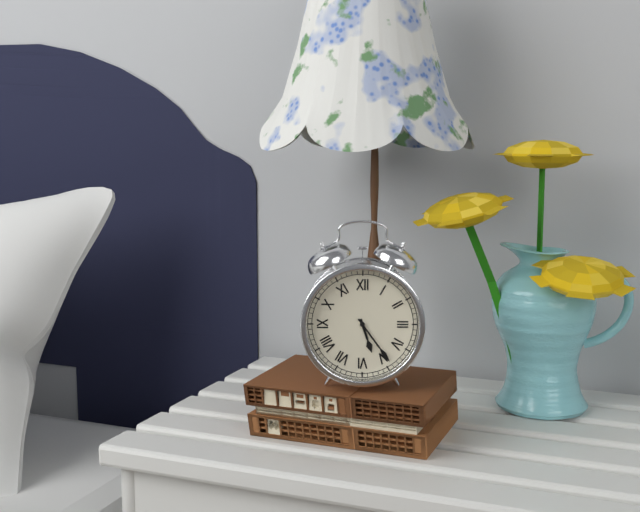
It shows 5,24
